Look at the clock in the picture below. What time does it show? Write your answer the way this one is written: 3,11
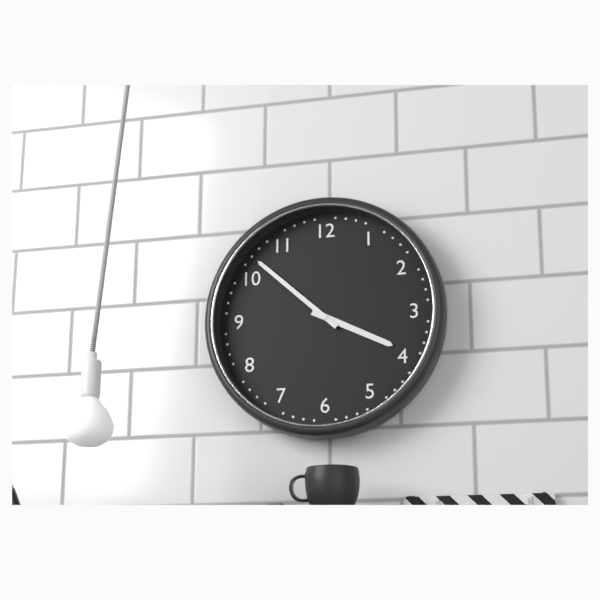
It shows 3,52
